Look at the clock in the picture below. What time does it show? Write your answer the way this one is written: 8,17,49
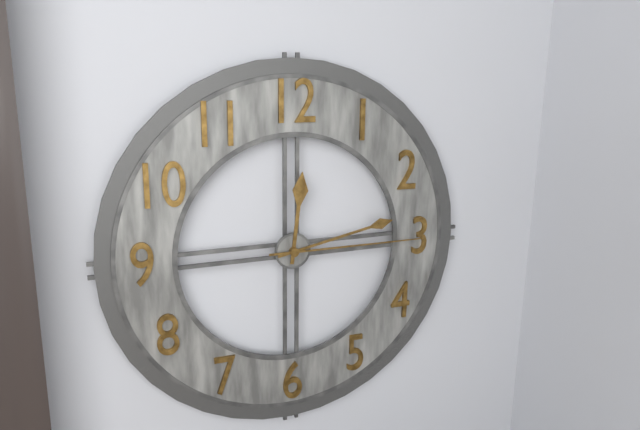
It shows 12,13,15
